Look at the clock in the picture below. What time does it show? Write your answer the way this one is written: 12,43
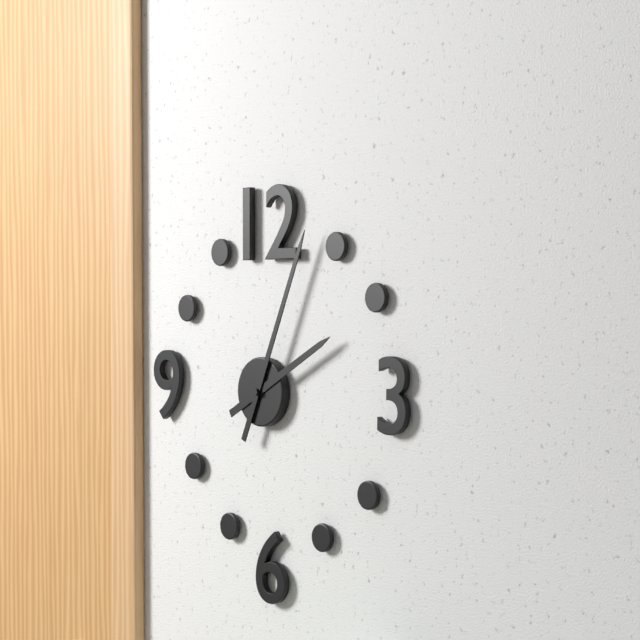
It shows 2,04
